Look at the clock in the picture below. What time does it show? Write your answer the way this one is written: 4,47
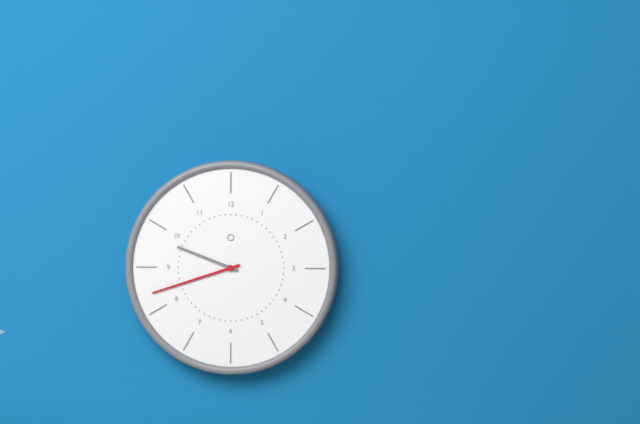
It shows 9,42
